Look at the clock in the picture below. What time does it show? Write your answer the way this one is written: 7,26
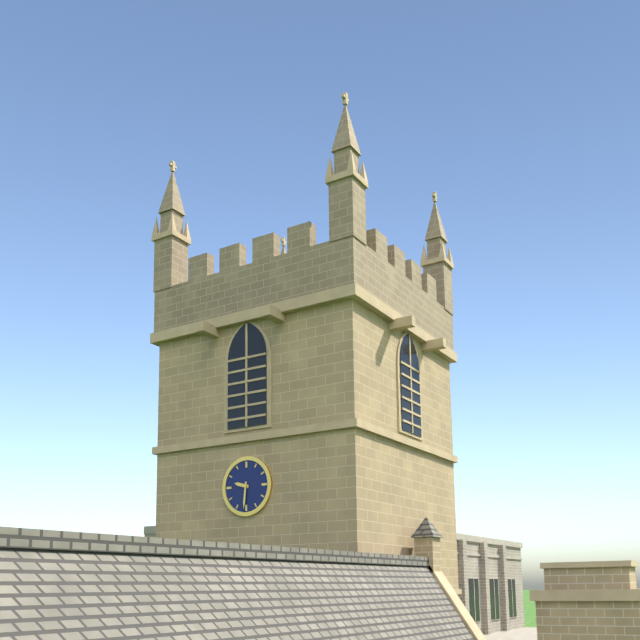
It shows 9,31
